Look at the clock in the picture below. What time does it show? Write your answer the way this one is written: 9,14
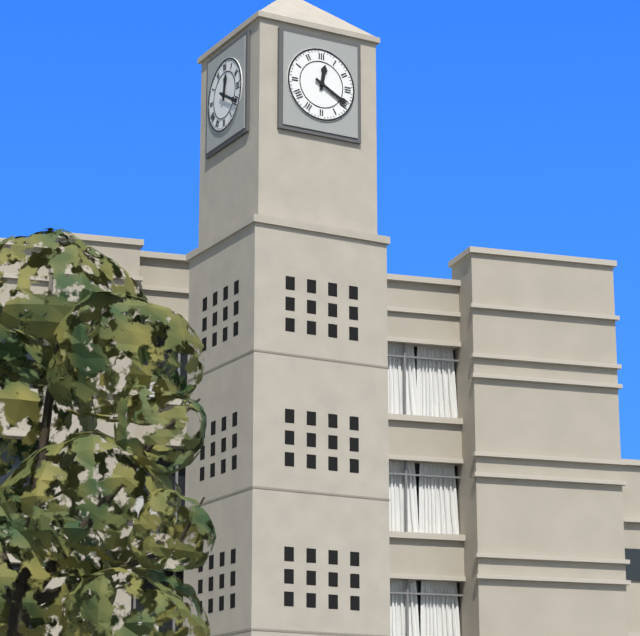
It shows 12,20
